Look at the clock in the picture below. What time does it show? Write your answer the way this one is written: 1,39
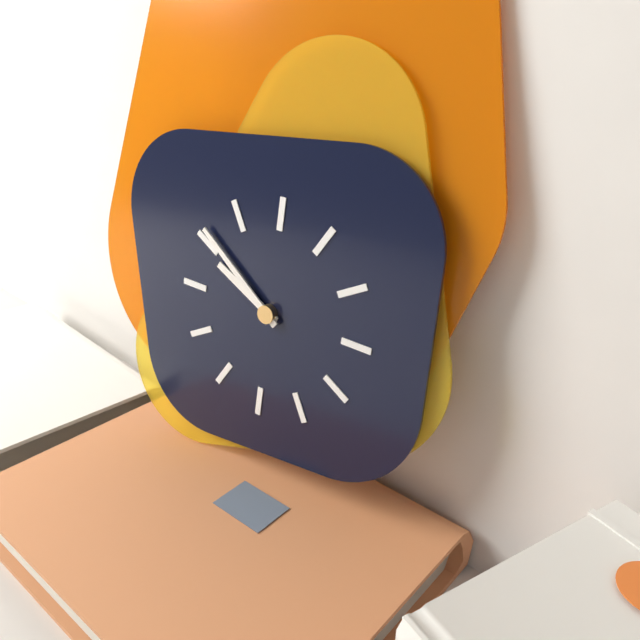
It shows 9,51
